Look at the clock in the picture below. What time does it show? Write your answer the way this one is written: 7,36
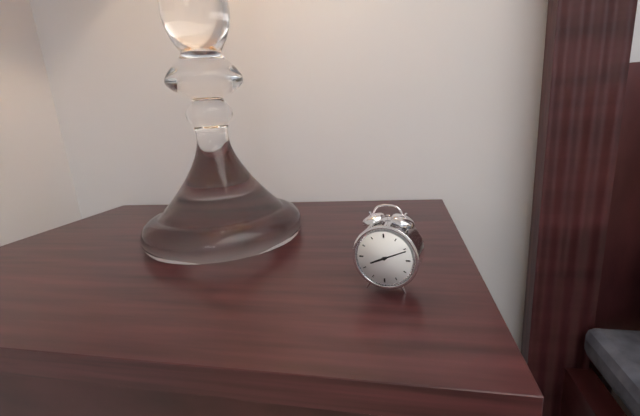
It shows 8,11
